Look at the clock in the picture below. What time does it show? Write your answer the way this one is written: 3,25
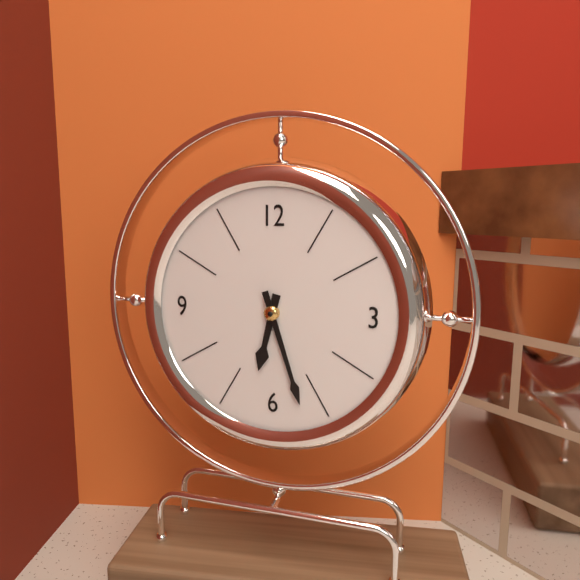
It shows 6,27
